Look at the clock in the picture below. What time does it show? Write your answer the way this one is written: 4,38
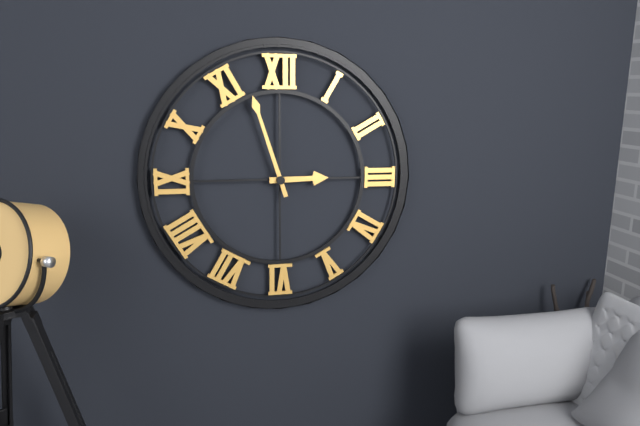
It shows 2,57
